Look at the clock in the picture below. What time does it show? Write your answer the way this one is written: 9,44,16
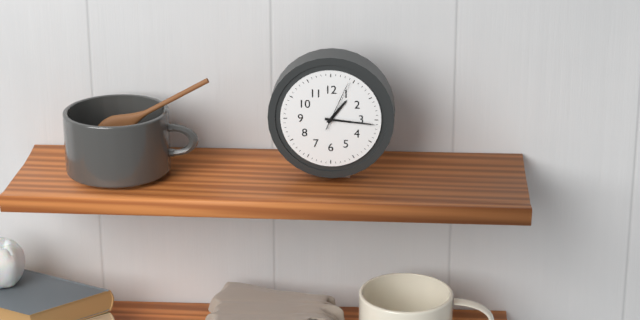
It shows 1,16,04
